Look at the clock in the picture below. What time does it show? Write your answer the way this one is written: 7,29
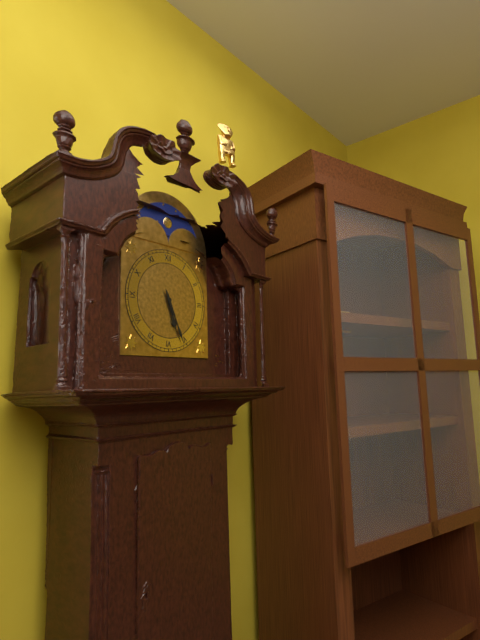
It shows 5,26
